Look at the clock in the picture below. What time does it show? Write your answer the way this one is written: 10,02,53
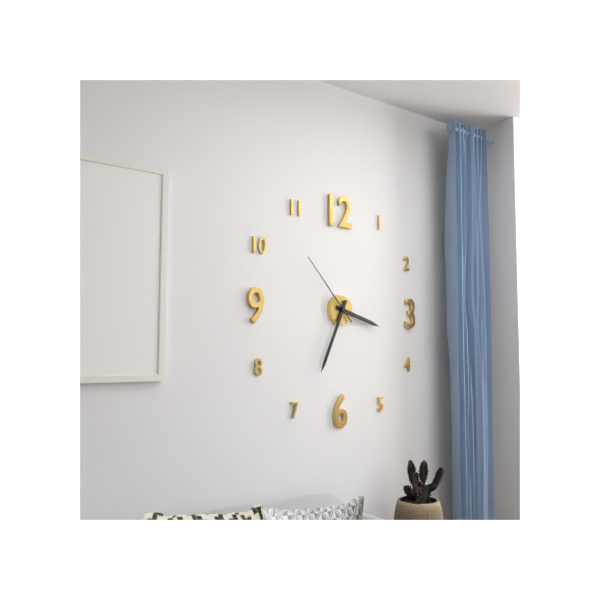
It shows 3,34,53
